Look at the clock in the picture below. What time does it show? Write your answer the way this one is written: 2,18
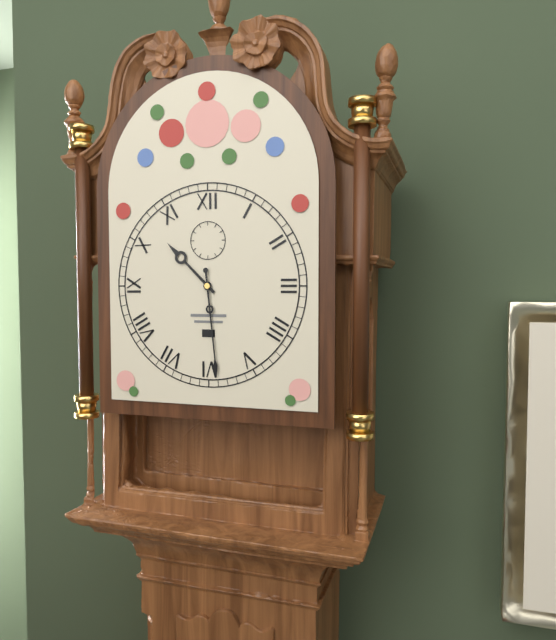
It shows 10,29
